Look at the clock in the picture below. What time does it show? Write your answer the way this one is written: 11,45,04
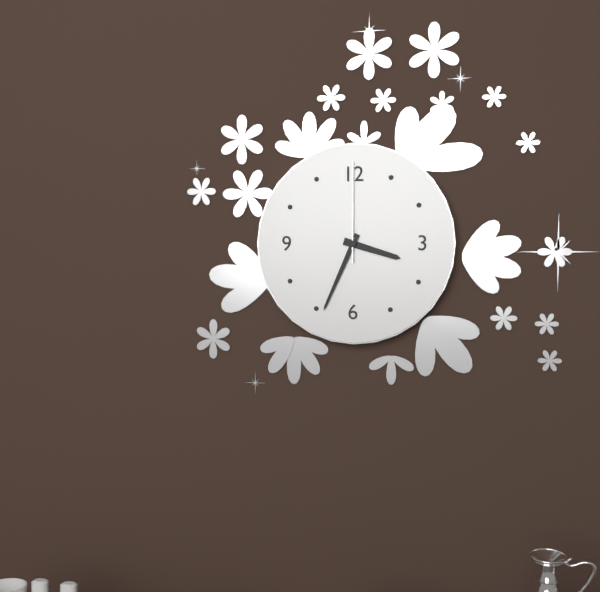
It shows 3,34,00
